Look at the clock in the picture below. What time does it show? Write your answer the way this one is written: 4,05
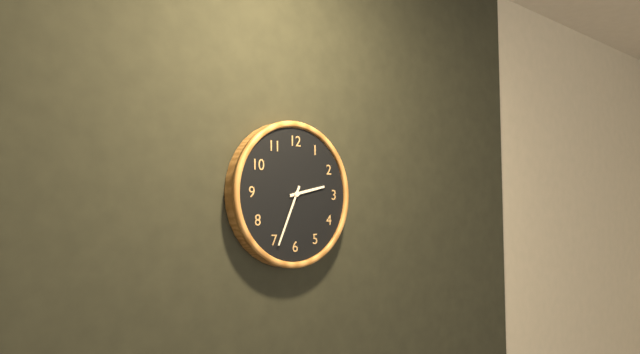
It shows 2,34
